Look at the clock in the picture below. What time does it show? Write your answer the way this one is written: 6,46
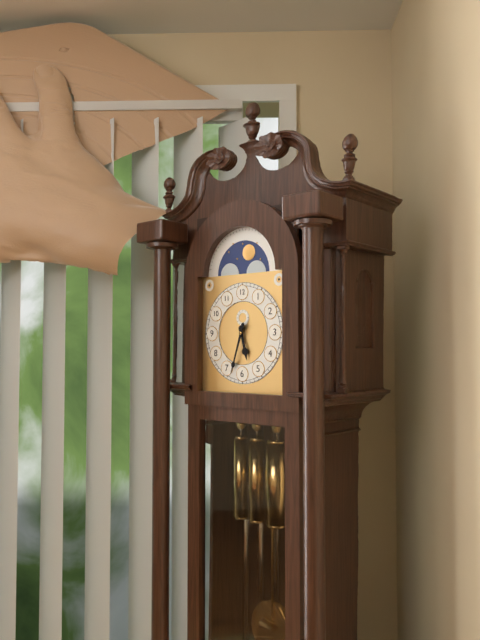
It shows 5,33
